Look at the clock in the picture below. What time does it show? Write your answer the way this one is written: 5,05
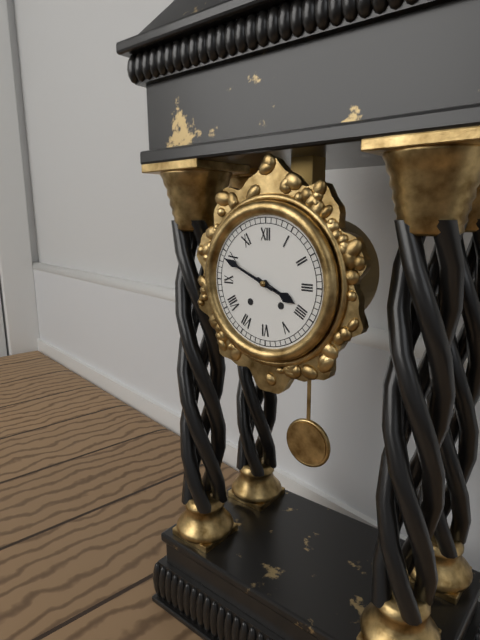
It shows 3,49
